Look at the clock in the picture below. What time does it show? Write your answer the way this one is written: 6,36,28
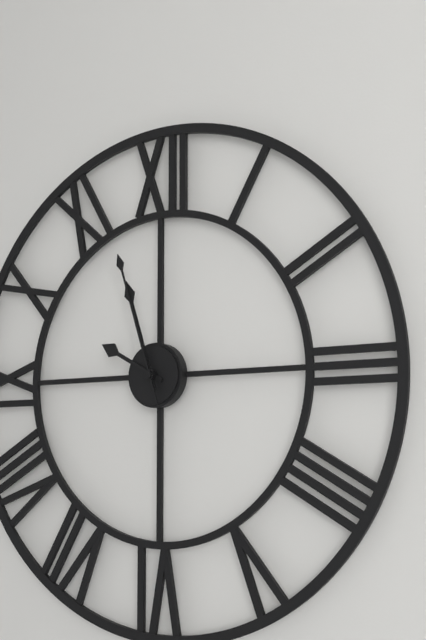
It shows 9,57,57
